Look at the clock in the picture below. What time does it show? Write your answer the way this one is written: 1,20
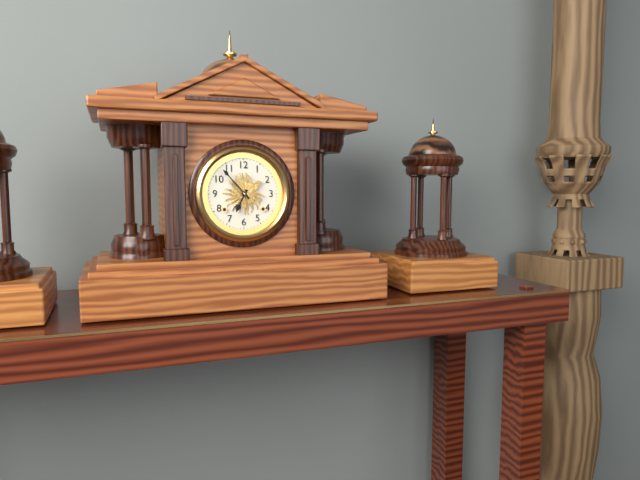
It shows 6,53
